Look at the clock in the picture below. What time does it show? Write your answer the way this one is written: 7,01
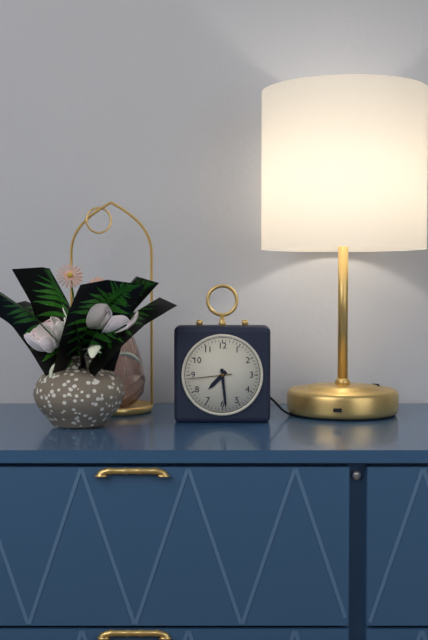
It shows 7,29
